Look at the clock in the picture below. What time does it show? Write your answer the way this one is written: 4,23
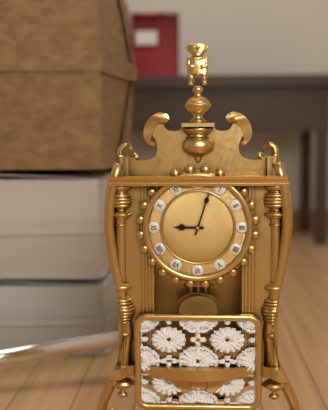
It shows 9,03
